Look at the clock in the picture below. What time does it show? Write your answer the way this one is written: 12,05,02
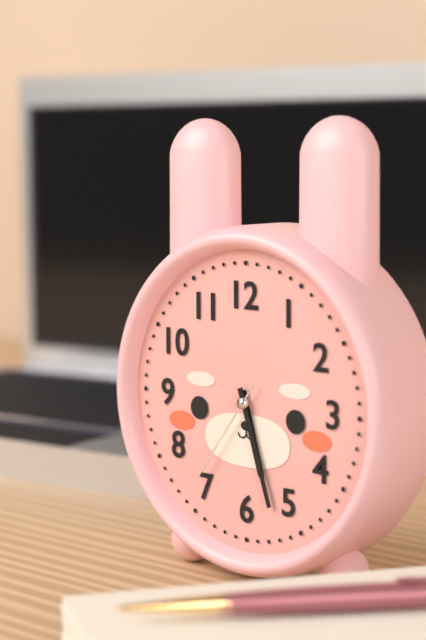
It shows 5,27,36
